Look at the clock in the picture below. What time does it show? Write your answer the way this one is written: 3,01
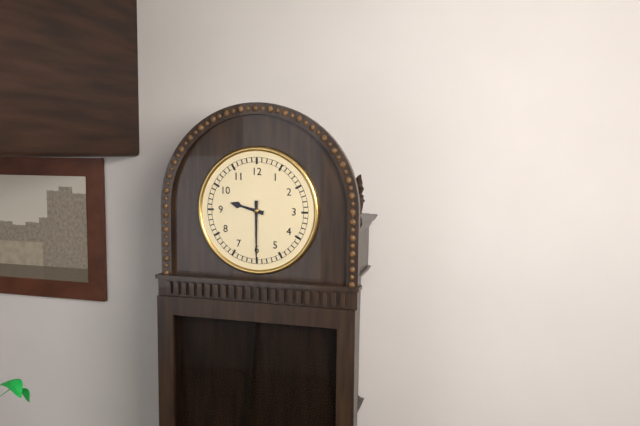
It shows 9,30
